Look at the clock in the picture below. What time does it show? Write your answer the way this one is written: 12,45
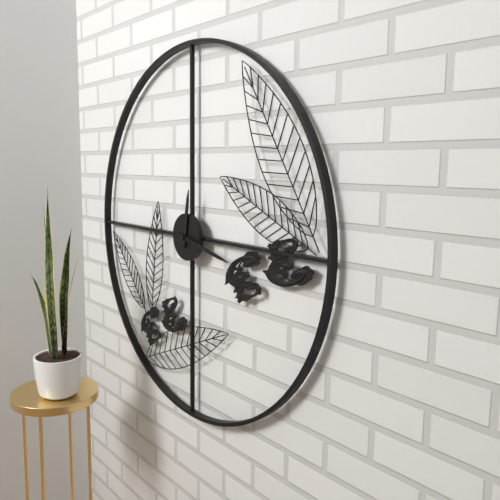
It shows 12,17
